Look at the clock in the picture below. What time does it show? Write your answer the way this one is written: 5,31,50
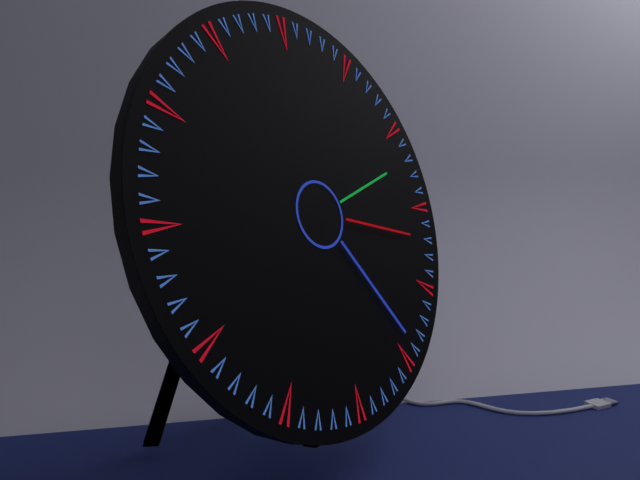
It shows 2,24,17
